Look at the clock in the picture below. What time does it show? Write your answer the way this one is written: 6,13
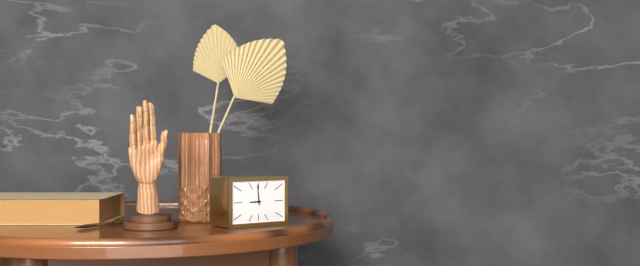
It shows 8,59
